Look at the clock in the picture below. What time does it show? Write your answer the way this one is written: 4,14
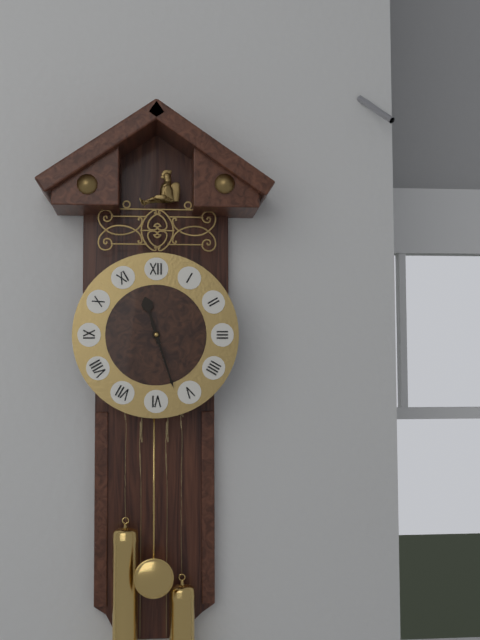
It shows 11,27
